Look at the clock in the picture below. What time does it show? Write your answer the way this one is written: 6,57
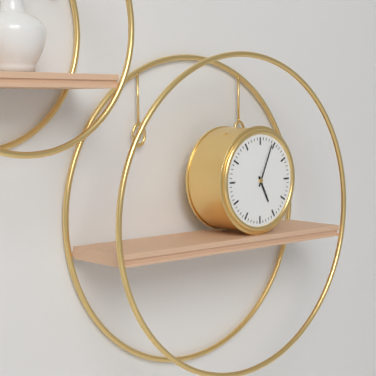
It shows 5,04
